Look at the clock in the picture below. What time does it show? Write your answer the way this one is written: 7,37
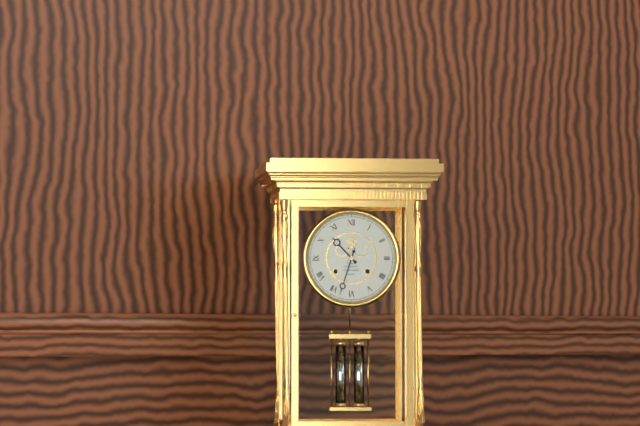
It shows 10,33
